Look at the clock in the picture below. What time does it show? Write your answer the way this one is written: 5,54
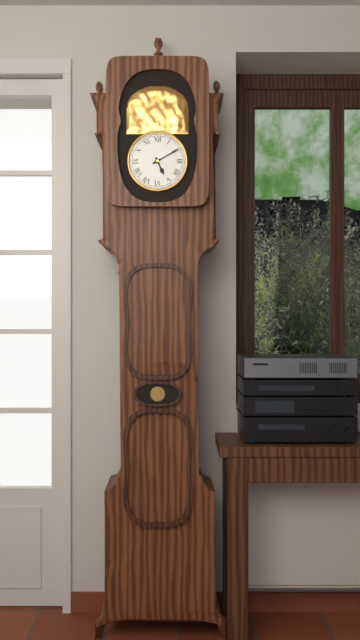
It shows 5,10
